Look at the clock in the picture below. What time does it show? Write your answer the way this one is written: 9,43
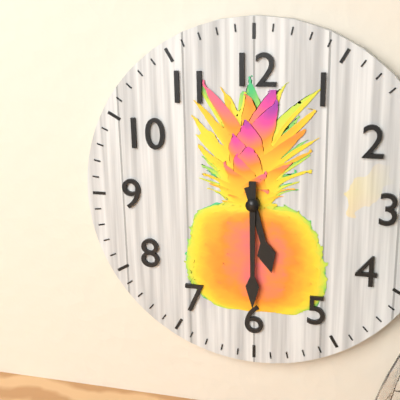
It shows 5,30
